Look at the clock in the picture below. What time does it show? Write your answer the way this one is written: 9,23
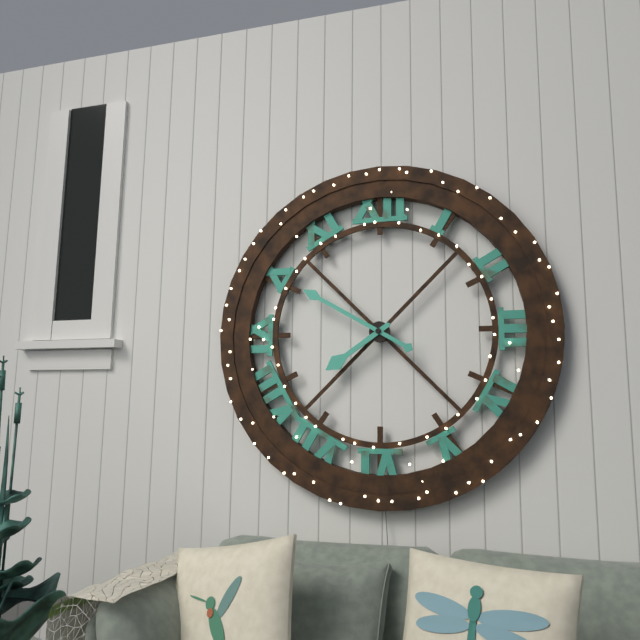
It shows 7,50
